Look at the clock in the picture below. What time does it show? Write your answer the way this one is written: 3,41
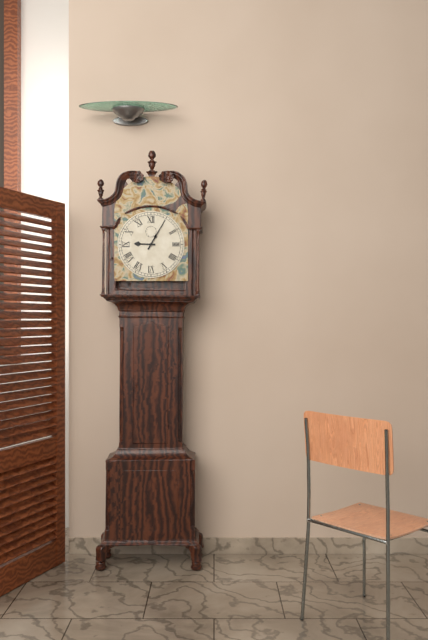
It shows 9,05
